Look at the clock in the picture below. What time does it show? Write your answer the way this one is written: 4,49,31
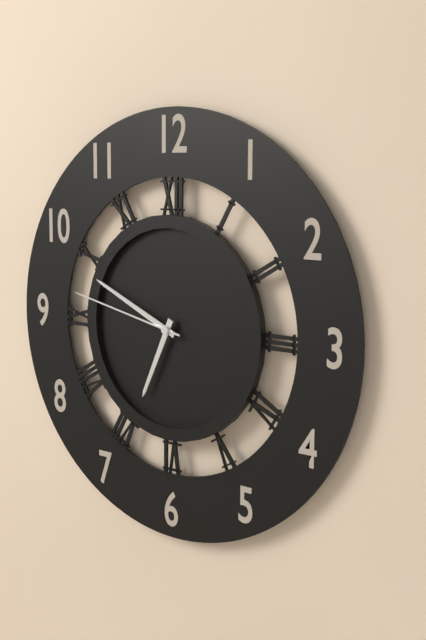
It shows 6,49,47
